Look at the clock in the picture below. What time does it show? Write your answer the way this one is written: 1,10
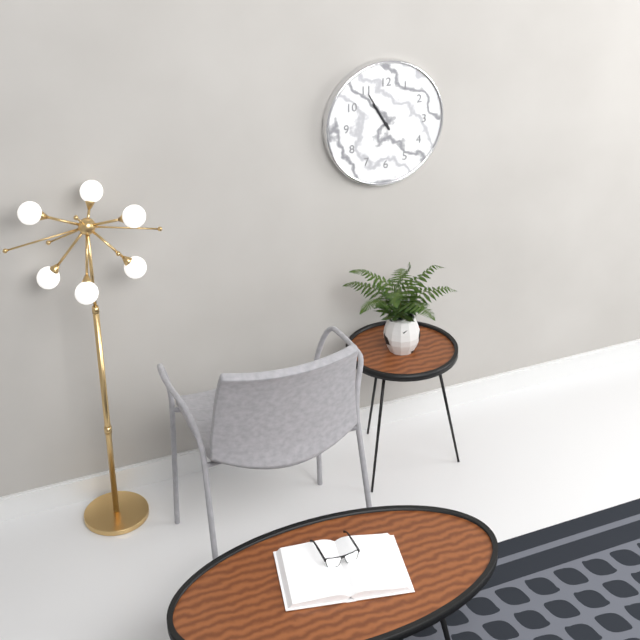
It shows 10,55
